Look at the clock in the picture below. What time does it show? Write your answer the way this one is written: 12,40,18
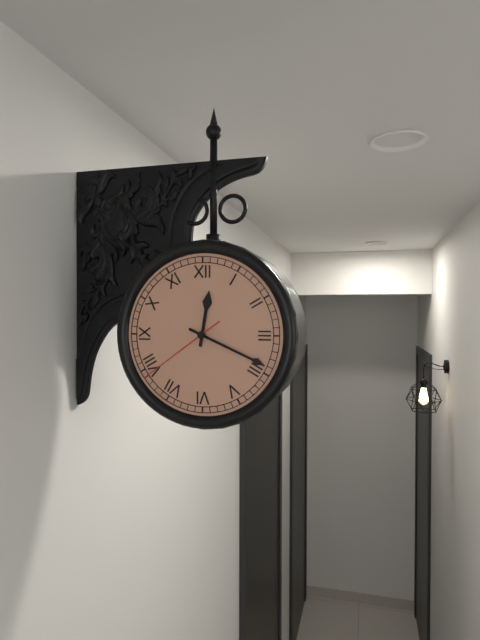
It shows 12,19,39
